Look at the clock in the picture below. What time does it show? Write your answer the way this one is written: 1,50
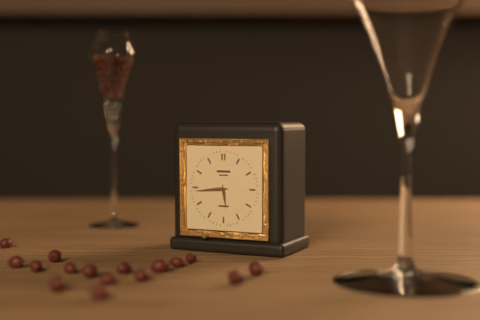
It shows 5,44
